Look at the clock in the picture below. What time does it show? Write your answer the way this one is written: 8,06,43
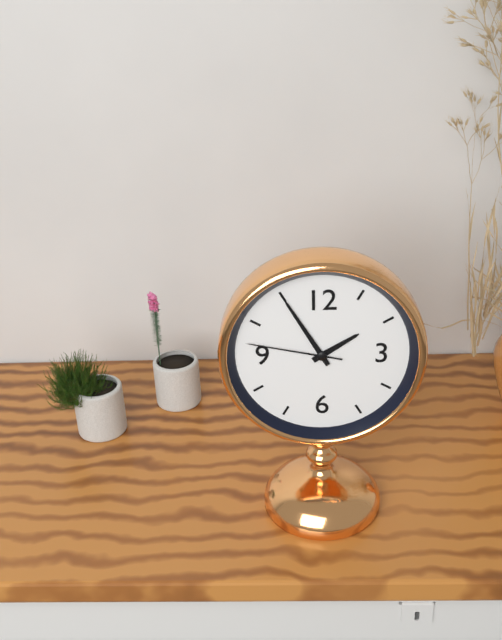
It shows 1,55,47
